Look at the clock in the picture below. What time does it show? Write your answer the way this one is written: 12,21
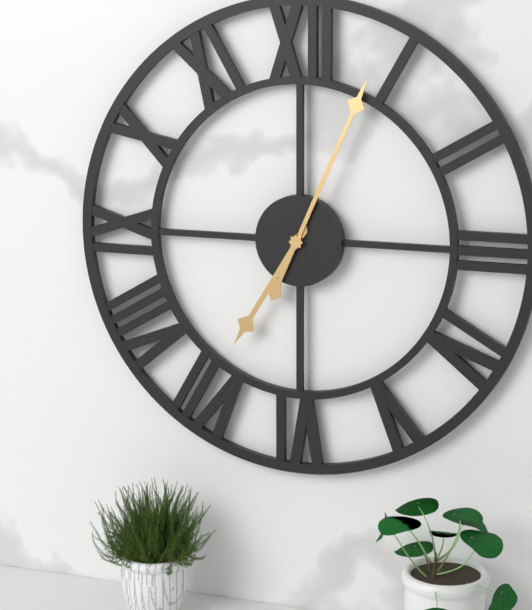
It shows 7,04
